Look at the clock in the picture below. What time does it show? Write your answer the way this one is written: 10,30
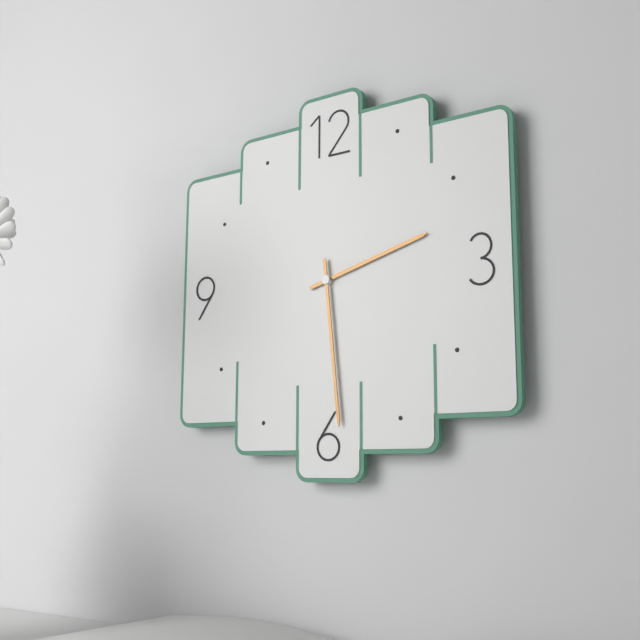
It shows 2,29
